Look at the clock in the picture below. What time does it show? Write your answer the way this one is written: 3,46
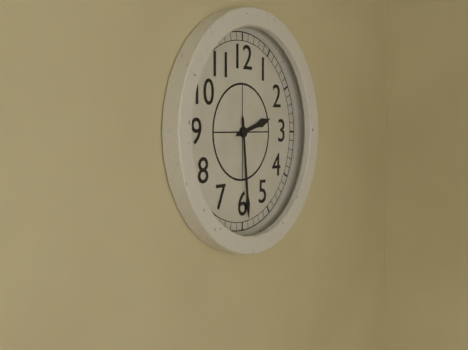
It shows 2,29
